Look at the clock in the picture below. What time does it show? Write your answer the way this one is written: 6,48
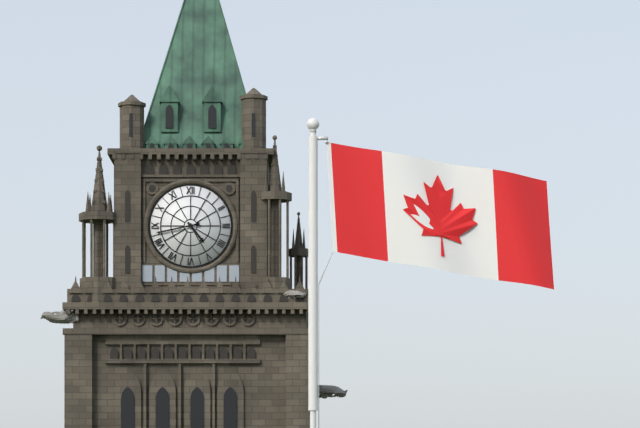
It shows 4,43
